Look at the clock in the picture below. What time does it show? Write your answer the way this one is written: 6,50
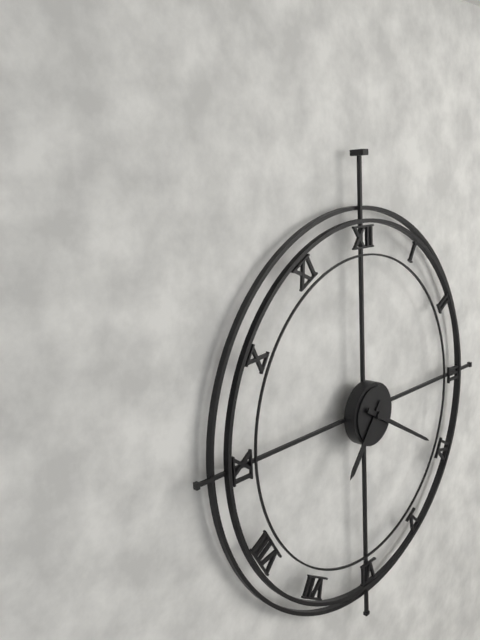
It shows 7,20
